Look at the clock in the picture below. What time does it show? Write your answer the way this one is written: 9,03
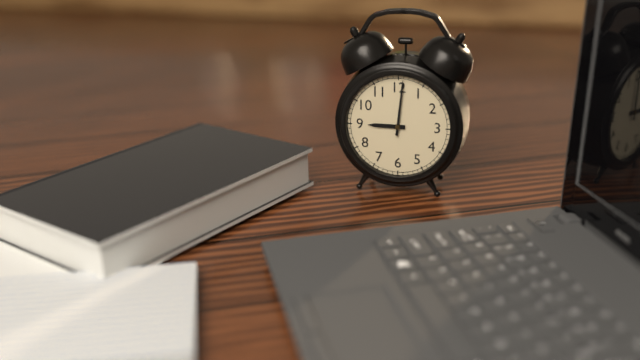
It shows 9,01
